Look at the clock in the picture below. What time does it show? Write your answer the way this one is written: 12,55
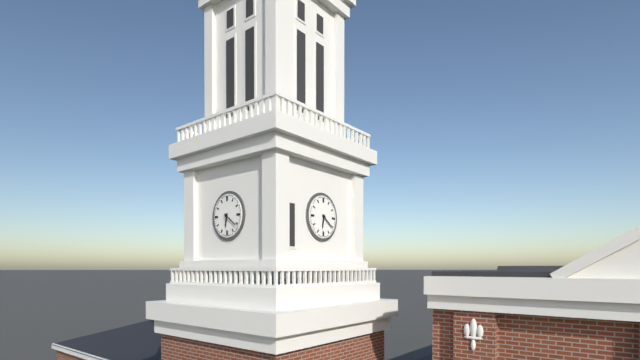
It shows 6,21
